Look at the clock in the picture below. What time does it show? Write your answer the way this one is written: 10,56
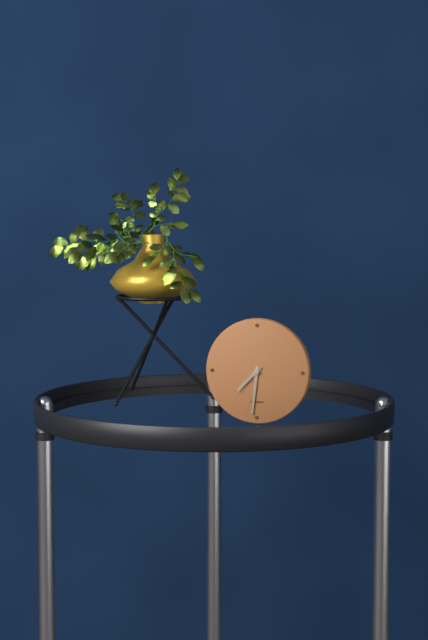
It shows 7,31
